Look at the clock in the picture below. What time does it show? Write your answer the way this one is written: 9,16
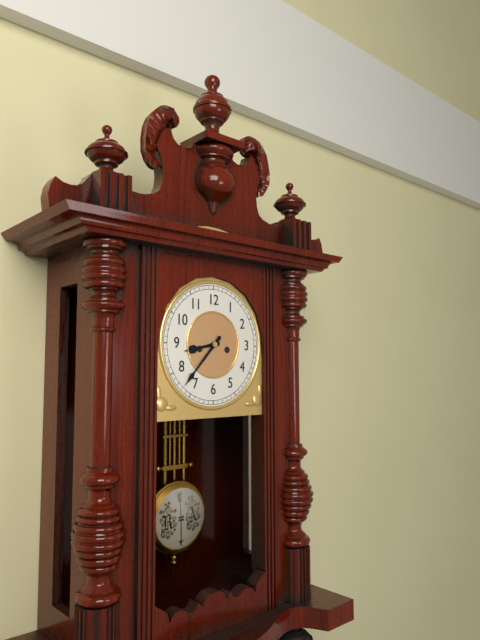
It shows 8,37
